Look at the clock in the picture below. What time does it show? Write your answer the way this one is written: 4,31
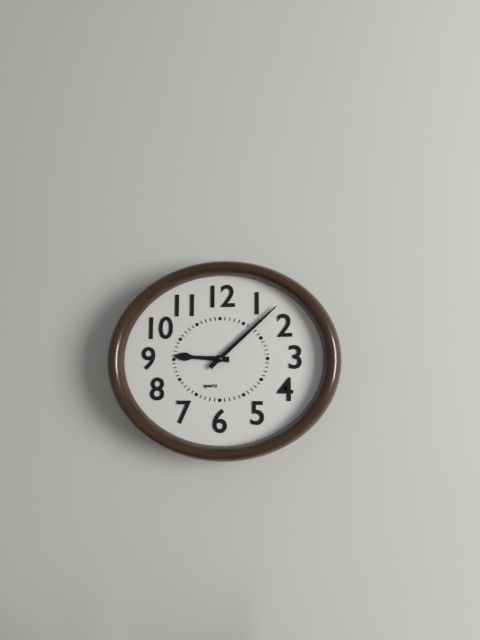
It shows 9,08
